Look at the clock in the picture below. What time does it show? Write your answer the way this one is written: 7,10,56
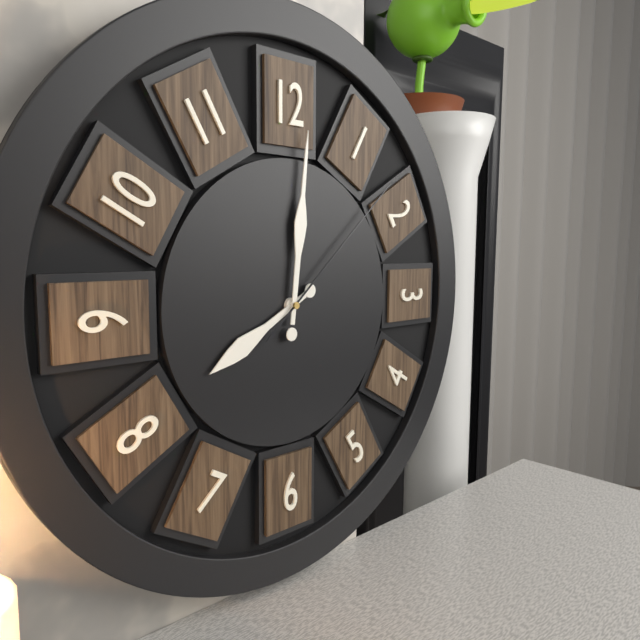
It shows 8,01,08
